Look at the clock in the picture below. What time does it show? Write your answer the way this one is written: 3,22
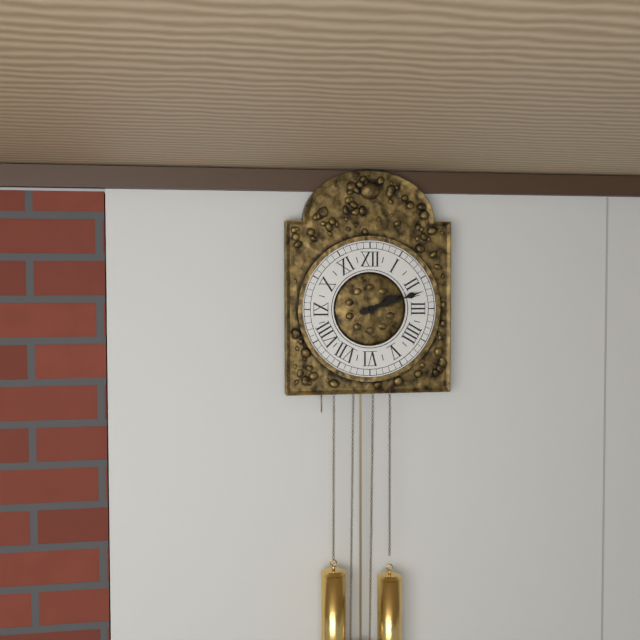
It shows 2,12
